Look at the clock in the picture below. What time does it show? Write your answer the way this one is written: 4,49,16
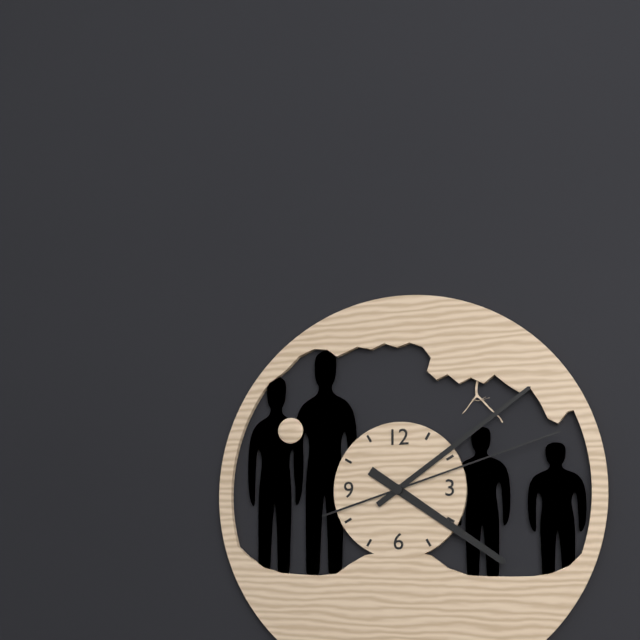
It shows 4,09,12
